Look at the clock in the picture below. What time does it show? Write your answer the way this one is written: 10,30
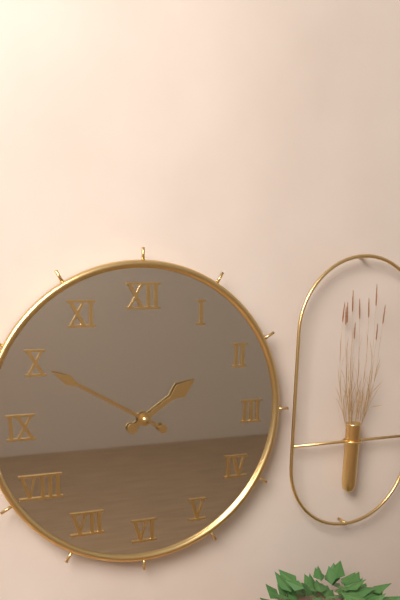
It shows 1,50
